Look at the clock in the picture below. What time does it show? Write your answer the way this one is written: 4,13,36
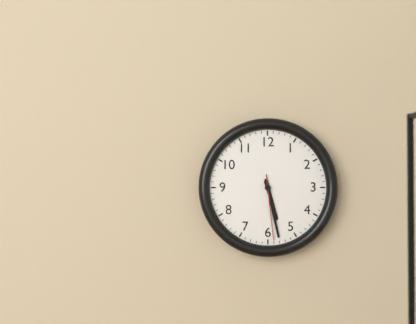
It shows 5,28,29
